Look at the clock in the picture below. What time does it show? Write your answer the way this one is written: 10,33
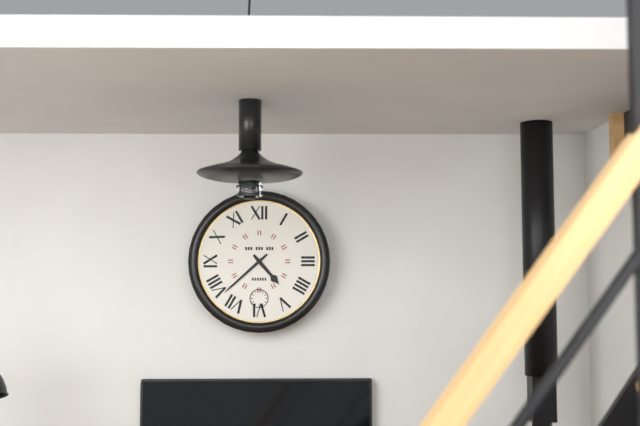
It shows 4,38
